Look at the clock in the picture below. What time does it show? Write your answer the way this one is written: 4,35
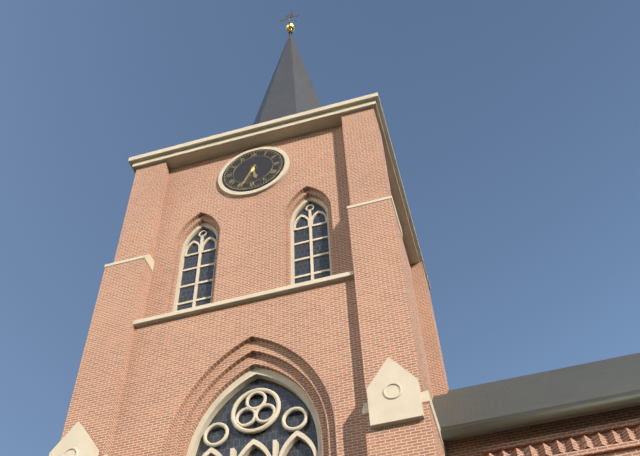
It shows 5,34
